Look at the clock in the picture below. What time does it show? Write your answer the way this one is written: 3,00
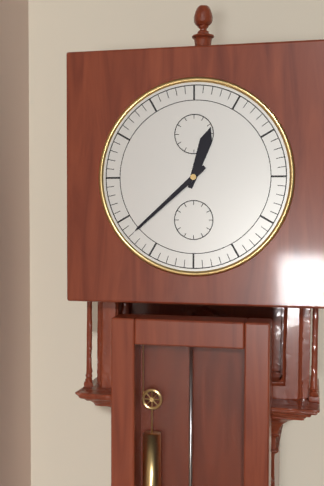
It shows 12,38
